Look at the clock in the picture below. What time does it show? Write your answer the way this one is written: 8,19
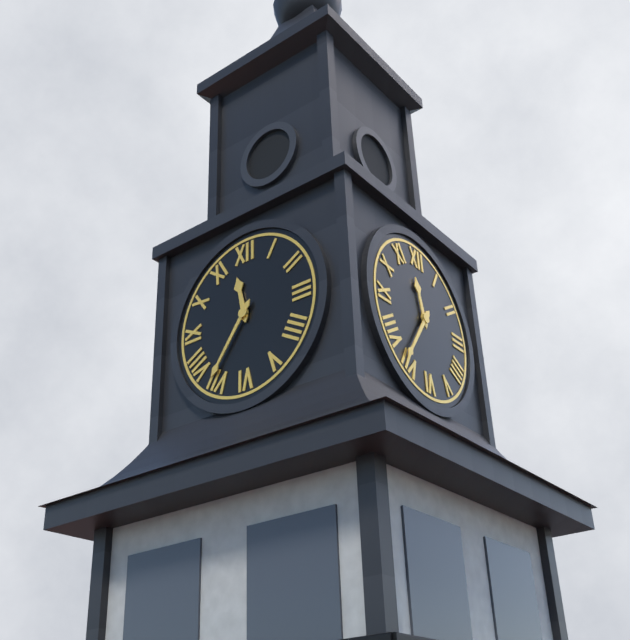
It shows 11,36
